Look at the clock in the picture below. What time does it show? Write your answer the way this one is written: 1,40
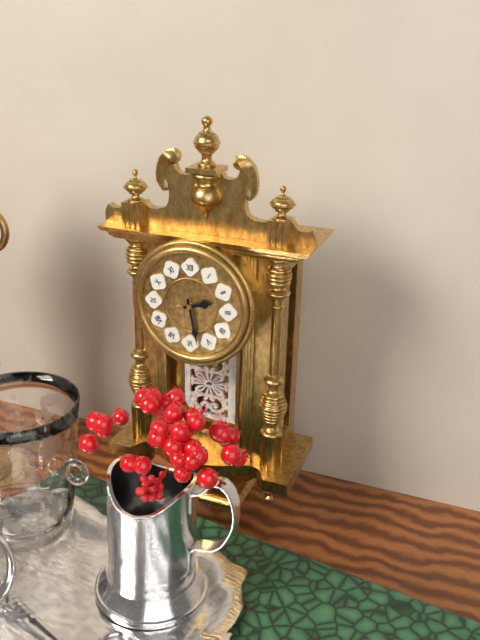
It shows 2,28
